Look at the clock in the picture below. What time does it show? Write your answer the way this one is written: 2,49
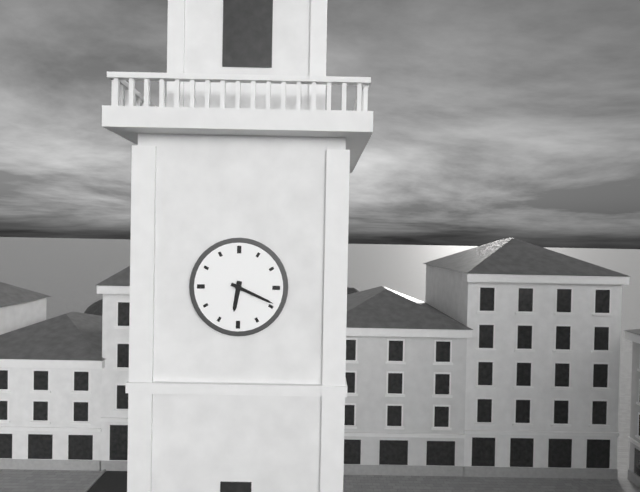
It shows 6,19
